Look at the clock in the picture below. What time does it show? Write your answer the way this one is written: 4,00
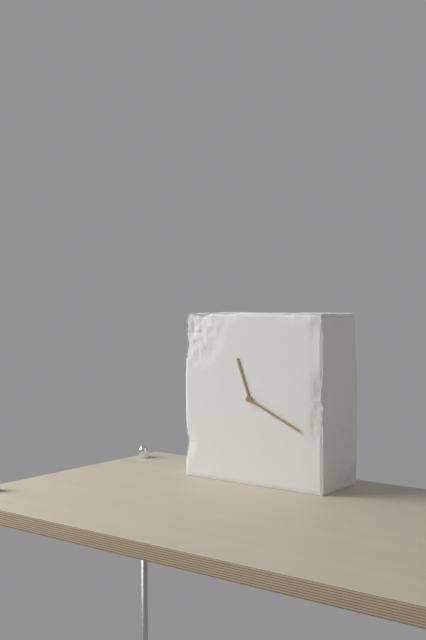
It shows 11,19
